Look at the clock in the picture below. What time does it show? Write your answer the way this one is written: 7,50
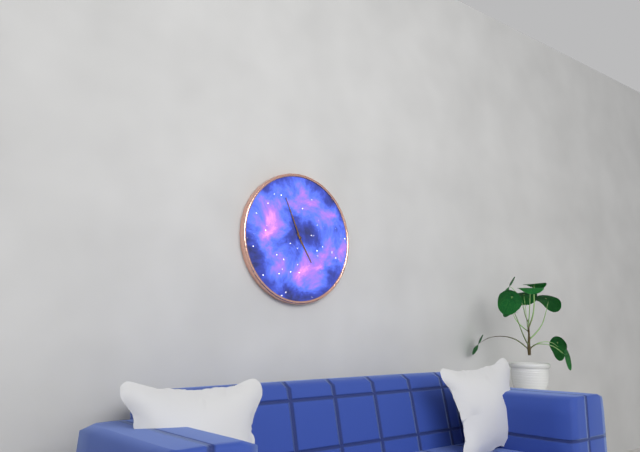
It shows 4,56
